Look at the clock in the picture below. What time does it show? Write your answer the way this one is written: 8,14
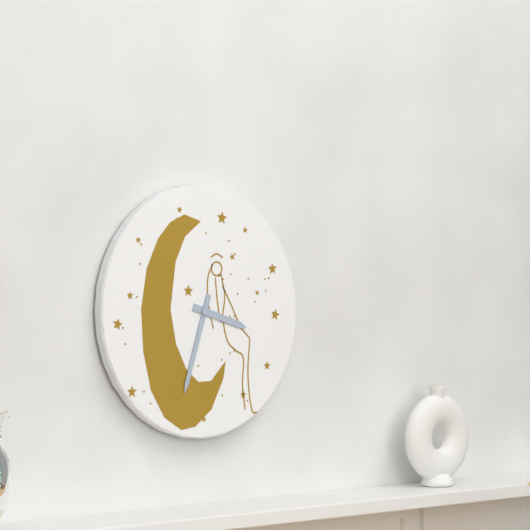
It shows 3,33
